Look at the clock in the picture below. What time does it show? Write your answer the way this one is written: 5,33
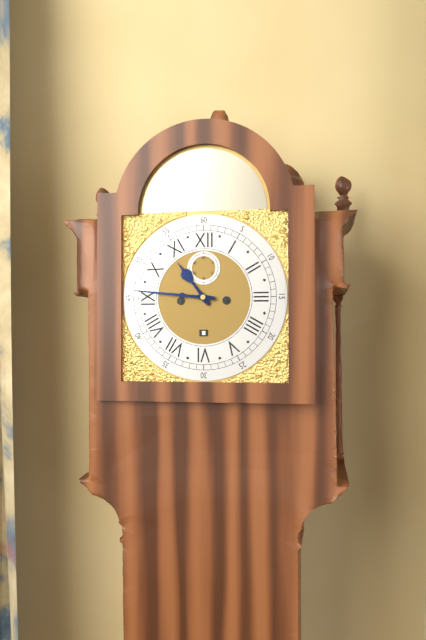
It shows 10,46
